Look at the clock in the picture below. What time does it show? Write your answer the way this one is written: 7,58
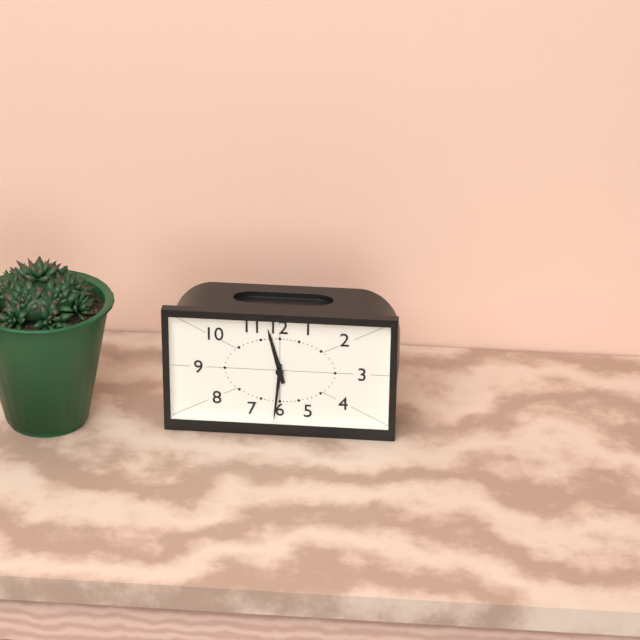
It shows 11,31
